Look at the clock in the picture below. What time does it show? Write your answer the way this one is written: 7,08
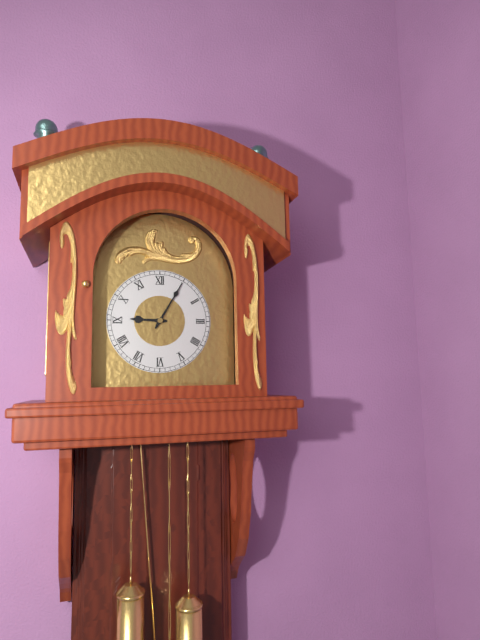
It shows 9,05
